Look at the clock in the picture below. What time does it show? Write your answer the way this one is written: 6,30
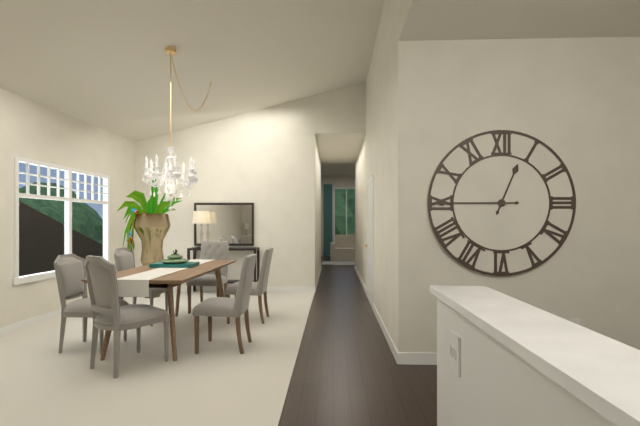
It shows 12,45
